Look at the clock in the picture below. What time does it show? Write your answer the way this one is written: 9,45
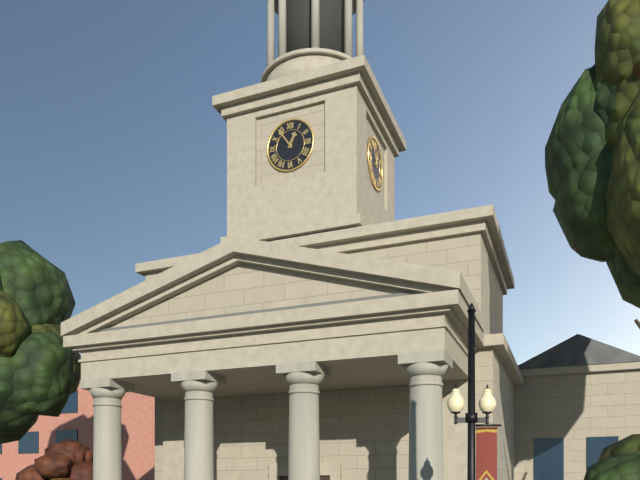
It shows 12,54
